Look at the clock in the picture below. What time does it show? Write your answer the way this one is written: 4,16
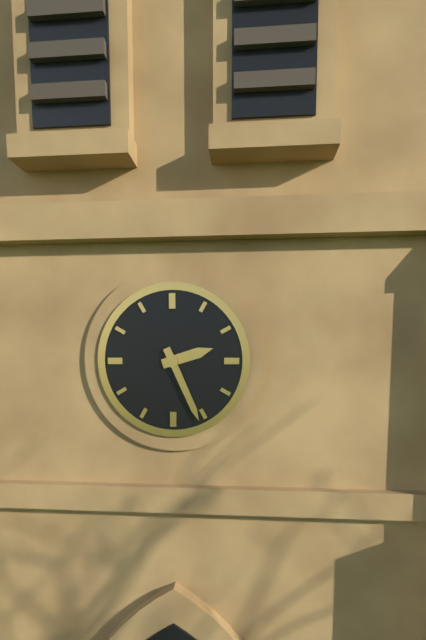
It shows 2,26
